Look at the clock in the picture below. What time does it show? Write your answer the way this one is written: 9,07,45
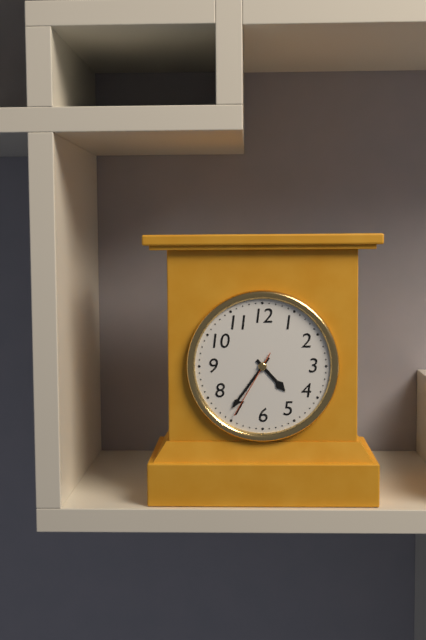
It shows 4,36,35
